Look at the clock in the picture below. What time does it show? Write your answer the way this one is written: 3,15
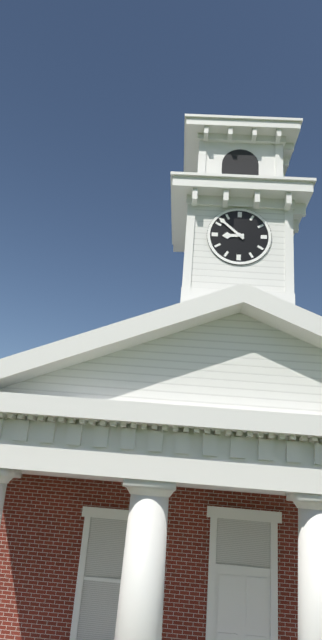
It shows 8,52
